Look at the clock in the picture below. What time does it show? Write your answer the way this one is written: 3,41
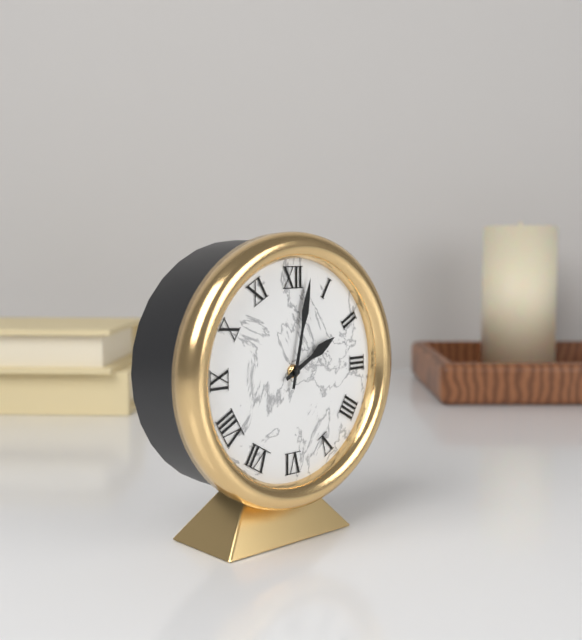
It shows 2,02
